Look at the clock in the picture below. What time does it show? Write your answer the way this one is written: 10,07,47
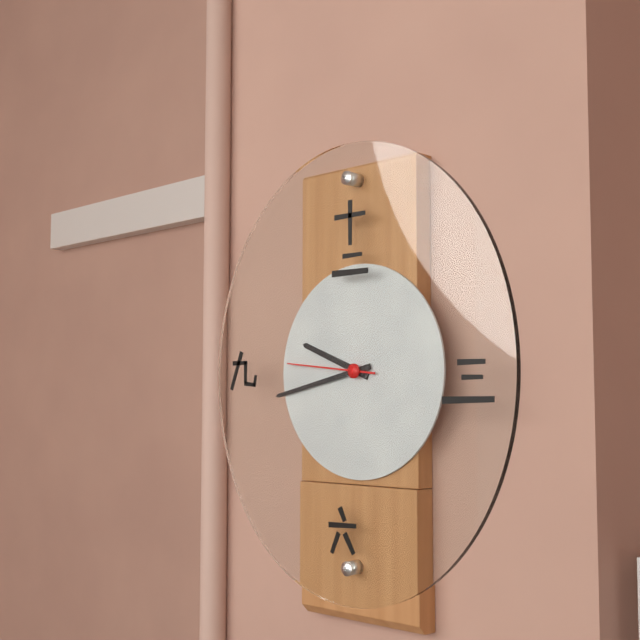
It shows 9,43,46
